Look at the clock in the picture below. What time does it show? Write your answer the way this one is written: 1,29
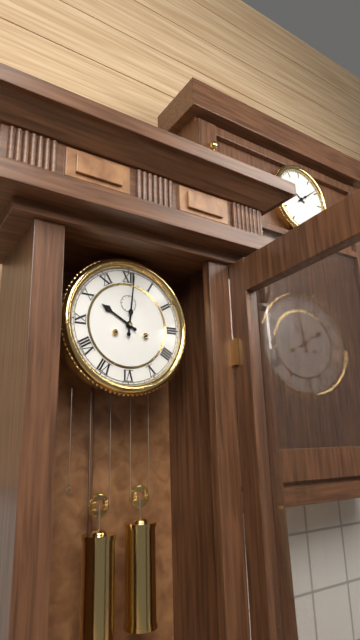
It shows 10,01
